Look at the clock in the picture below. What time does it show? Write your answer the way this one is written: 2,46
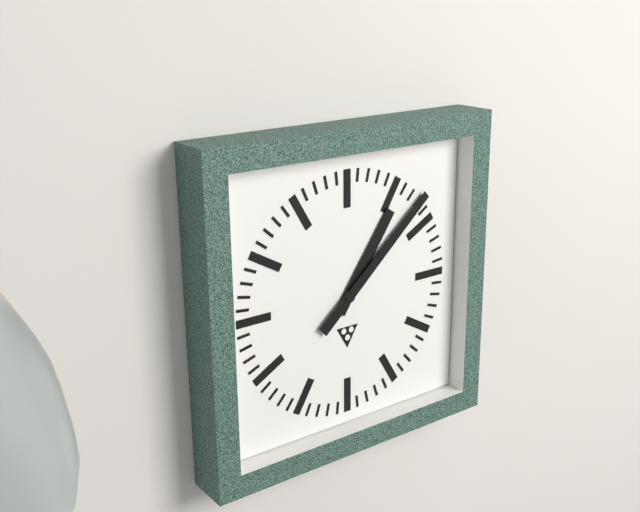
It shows 1,08
